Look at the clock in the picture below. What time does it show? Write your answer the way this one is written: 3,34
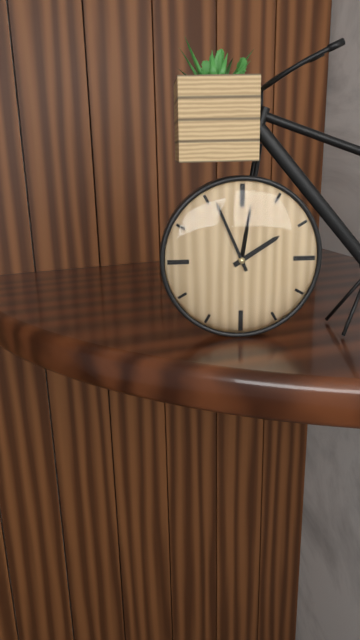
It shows 1,56
